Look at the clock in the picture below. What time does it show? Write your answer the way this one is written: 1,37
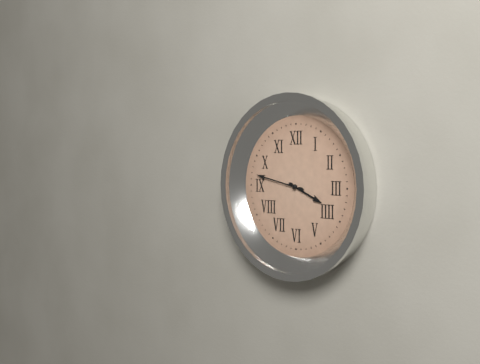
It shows 3,47
